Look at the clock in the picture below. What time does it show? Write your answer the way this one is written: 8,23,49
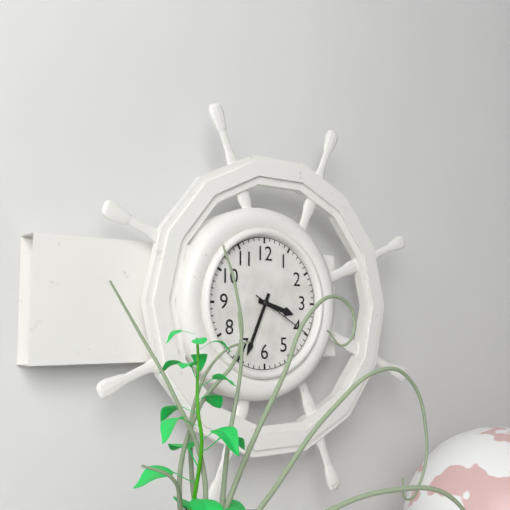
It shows 3,34,20
